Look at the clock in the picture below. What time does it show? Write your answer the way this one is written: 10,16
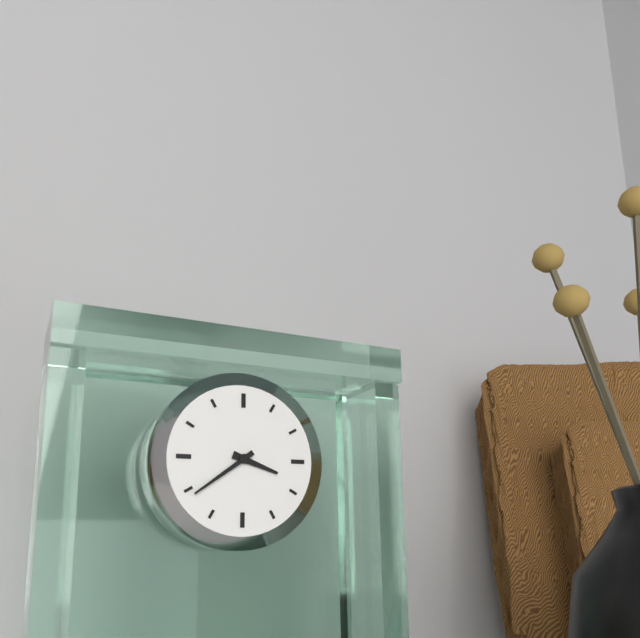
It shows 3,39
